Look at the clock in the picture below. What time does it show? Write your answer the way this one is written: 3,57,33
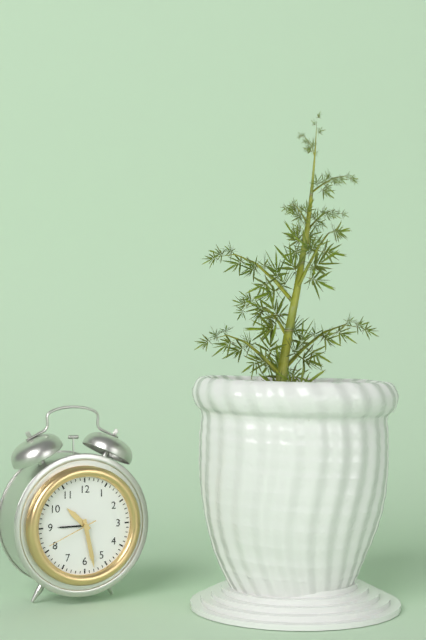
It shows 10,28,41
